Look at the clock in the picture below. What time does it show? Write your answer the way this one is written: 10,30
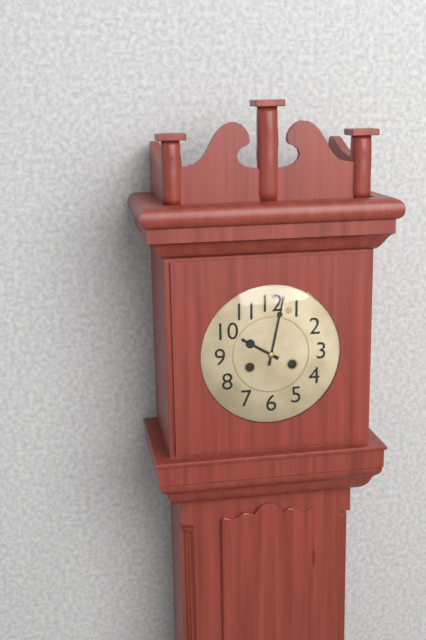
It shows 10,02
